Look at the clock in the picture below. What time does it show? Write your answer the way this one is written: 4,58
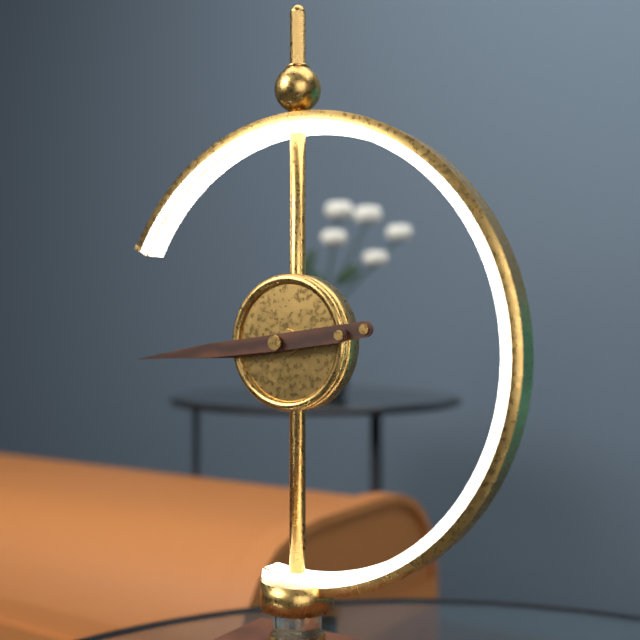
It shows 8,44
